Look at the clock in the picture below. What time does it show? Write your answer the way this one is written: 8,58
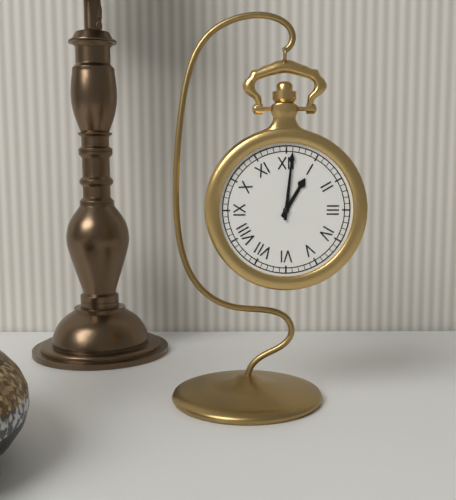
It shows 1,01
